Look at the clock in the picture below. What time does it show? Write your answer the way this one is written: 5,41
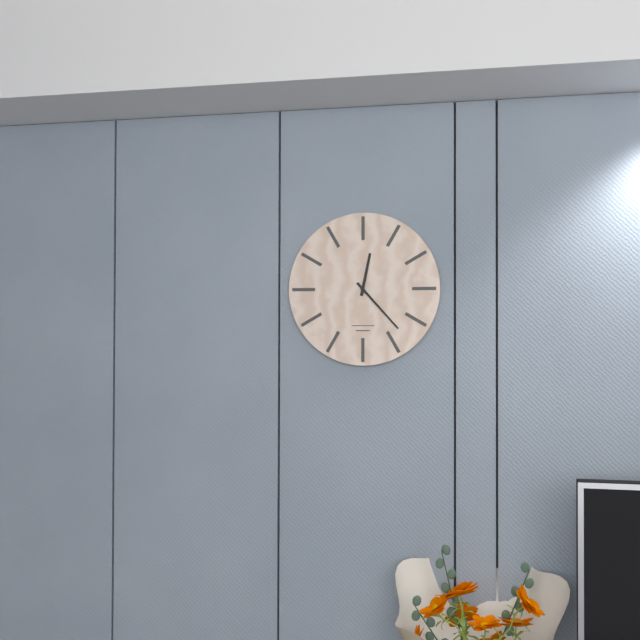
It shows 12,23
